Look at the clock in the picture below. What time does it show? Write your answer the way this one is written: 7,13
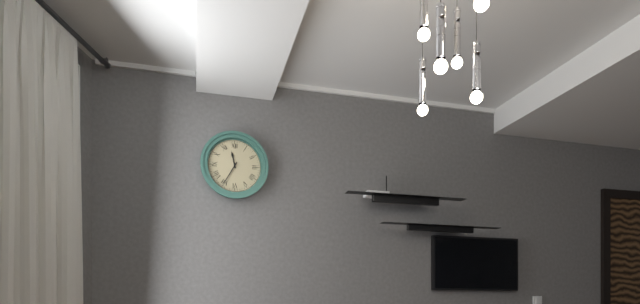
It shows 11,35
